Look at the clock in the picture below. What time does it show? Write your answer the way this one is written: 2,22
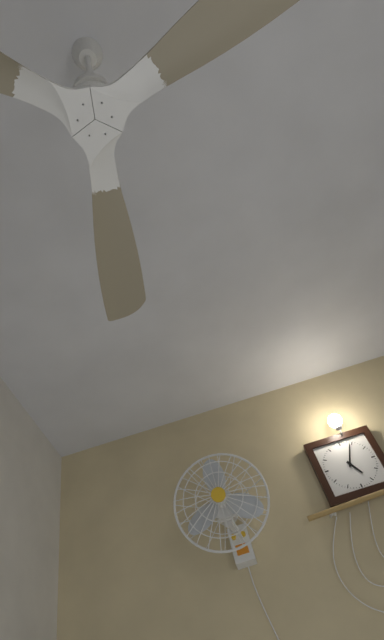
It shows 5,04
